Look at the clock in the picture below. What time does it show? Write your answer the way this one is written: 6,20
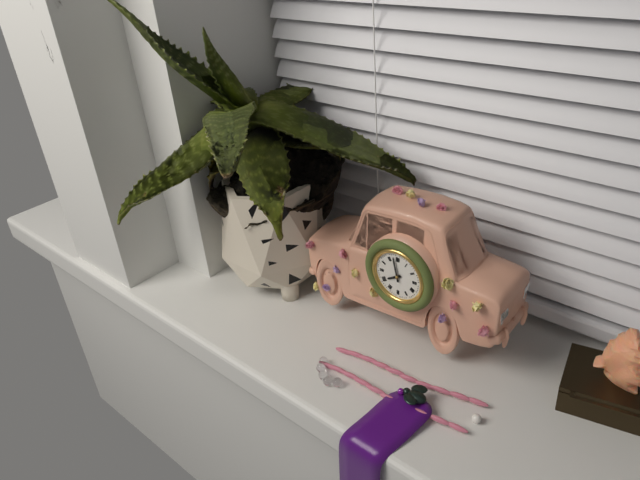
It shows 7,58
